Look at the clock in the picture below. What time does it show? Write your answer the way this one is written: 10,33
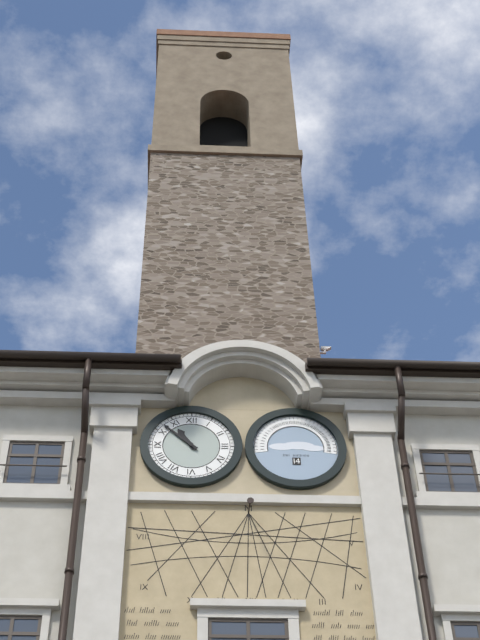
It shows 10,52
